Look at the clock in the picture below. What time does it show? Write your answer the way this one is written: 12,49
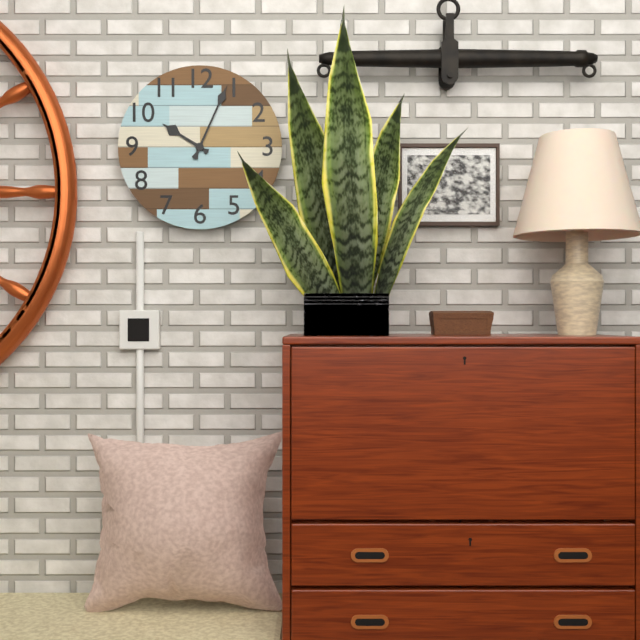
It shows 10,04
